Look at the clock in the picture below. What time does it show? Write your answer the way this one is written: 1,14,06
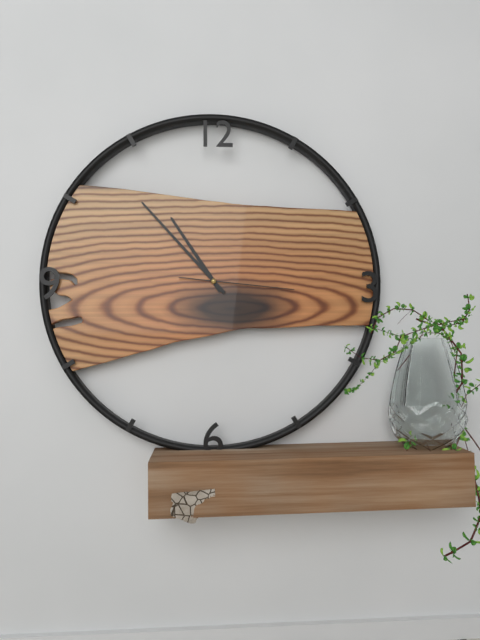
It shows 10,53,16
